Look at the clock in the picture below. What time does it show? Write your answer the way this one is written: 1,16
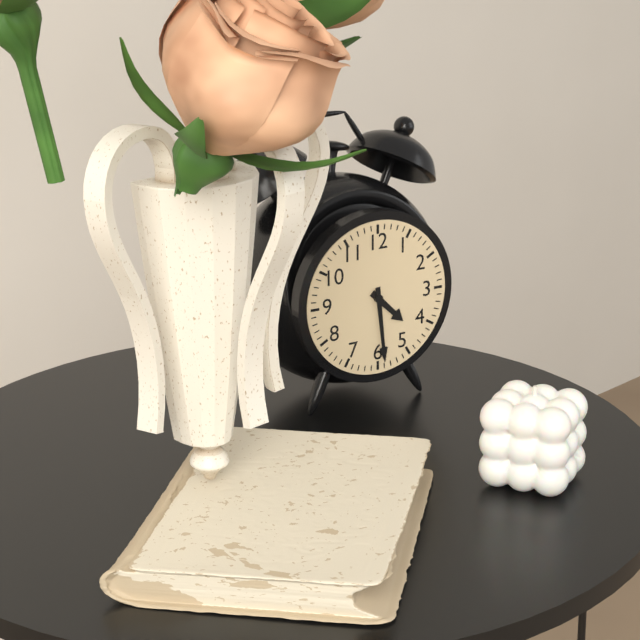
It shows 4,29
